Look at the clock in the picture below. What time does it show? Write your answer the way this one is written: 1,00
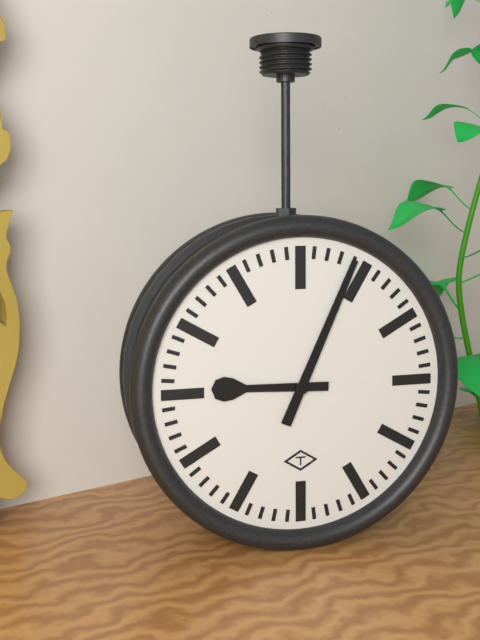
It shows 9,04
